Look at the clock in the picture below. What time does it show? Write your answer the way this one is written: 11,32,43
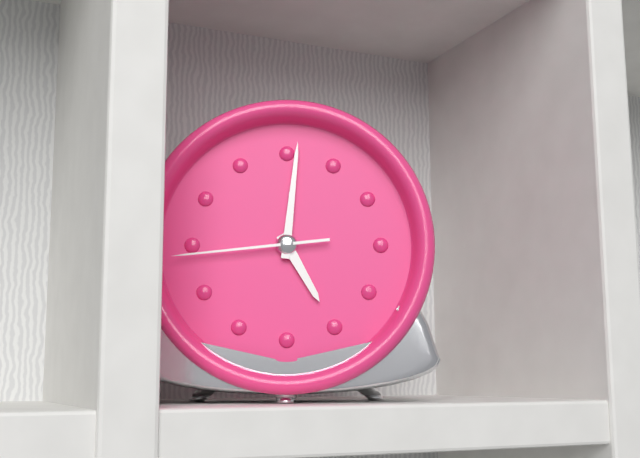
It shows 5,01,44
